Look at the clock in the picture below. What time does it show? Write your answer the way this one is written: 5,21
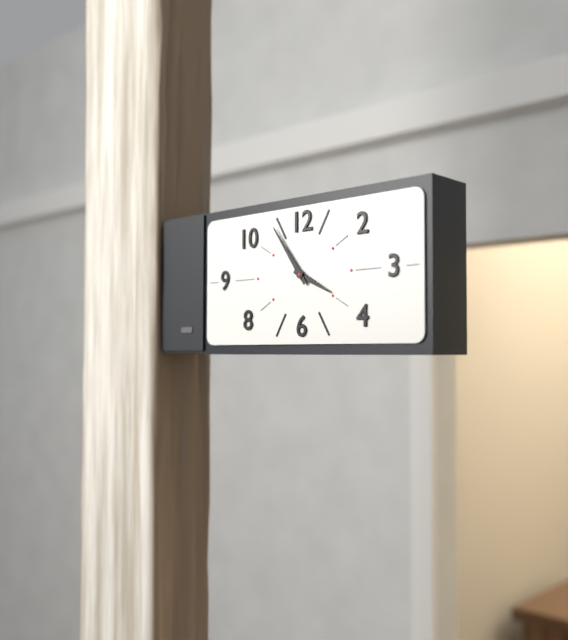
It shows 3,54
